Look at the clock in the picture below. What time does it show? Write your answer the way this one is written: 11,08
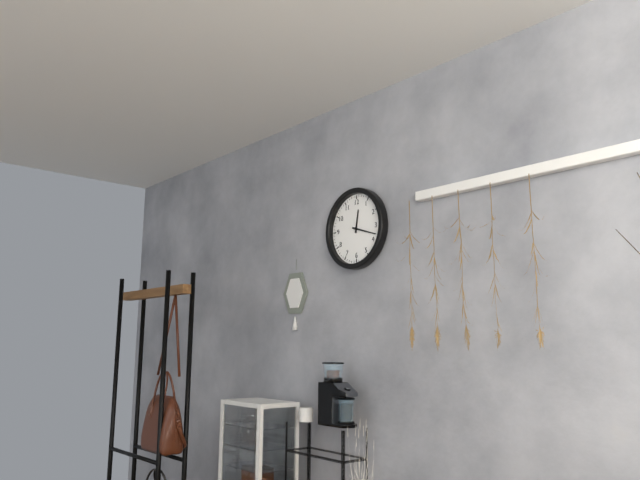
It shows 12,18
